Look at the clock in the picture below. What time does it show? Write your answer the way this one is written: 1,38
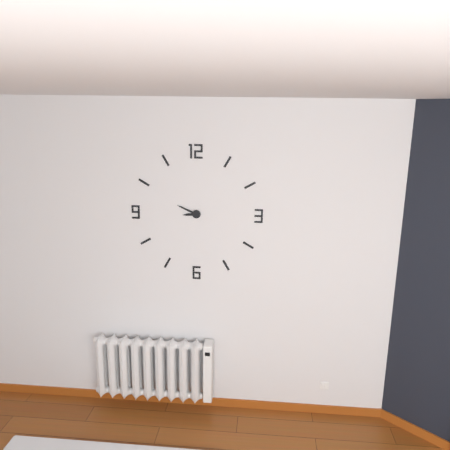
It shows 8,49
